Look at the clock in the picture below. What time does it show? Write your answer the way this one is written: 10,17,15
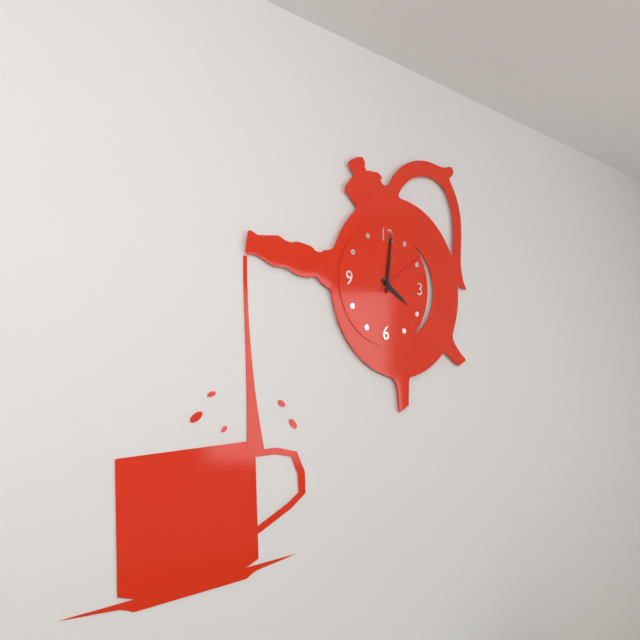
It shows 4,01,09
